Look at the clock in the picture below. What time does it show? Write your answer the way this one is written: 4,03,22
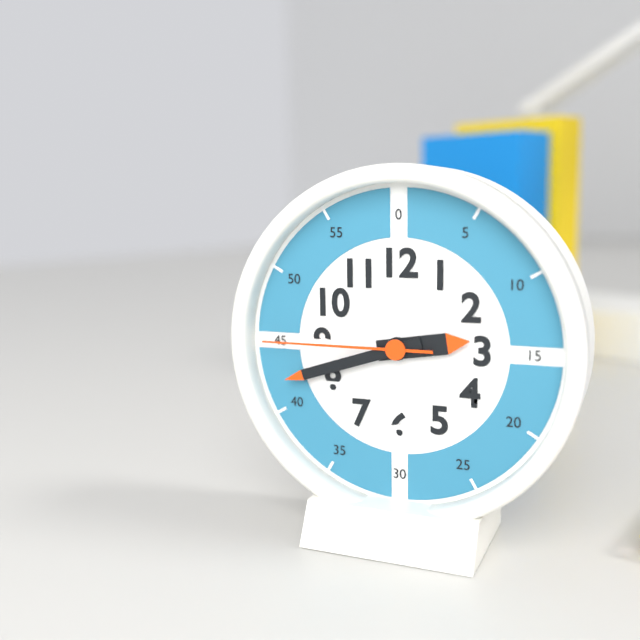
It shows 2,42,45
